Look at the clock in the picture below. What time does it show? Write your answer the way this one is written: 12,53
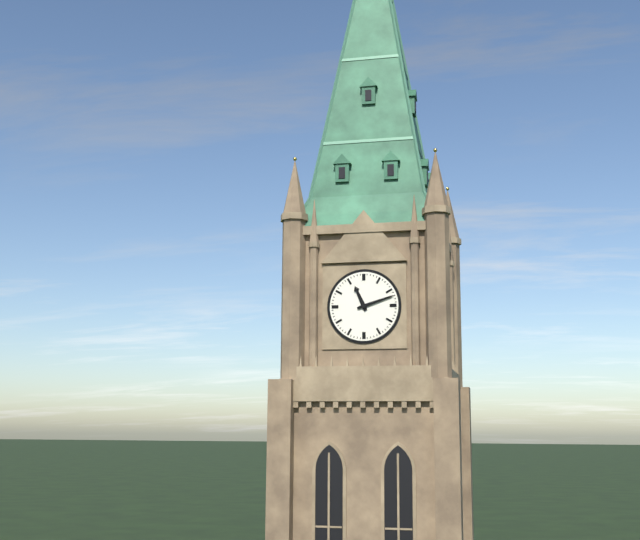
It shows 11,12
